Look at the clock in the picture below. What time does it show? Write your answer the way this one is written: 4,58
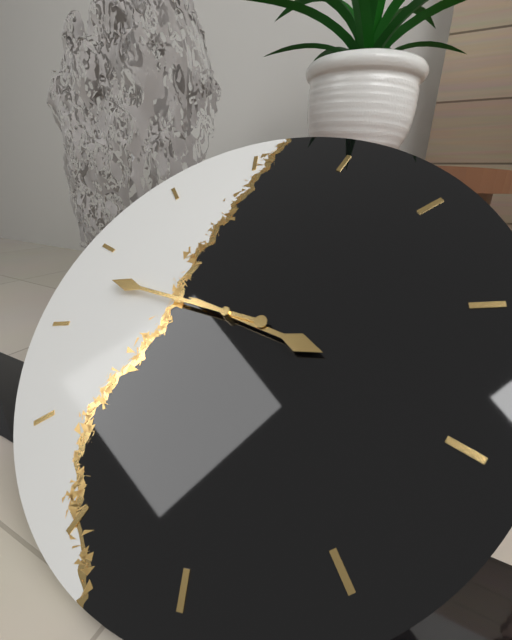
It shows 3,48
